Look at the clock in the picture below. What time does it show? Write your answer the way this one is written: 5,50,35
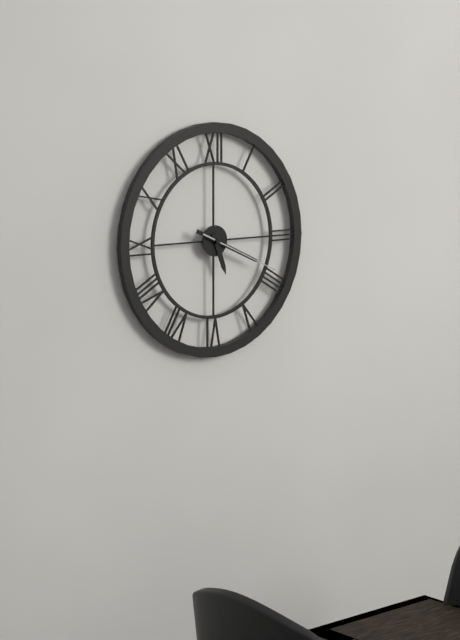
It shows 5,19,19
